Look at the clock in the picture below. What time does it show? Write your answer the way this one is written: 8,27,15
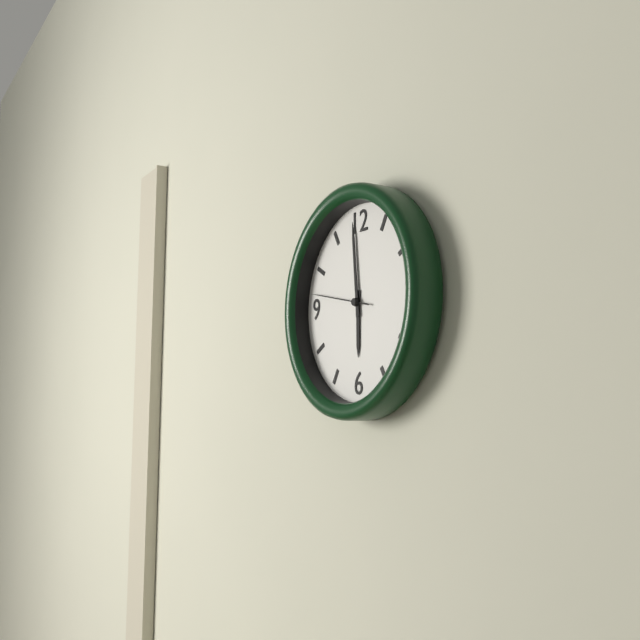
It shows 5,59,47
